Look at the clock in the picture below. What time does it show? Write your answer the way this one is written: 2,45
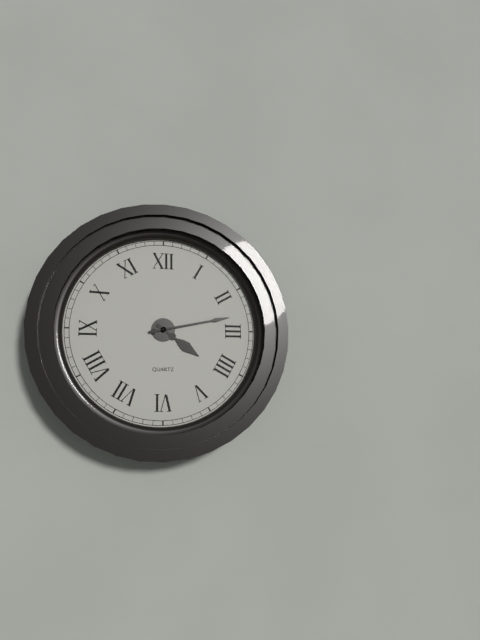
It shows 4,13
